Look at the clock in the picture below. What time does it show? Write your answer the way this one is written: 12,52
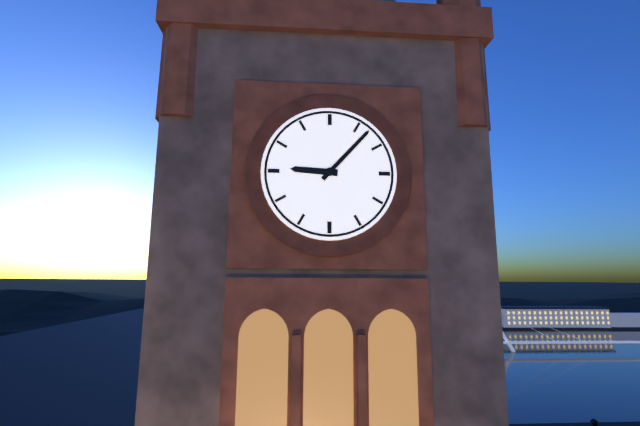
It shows 9,07
